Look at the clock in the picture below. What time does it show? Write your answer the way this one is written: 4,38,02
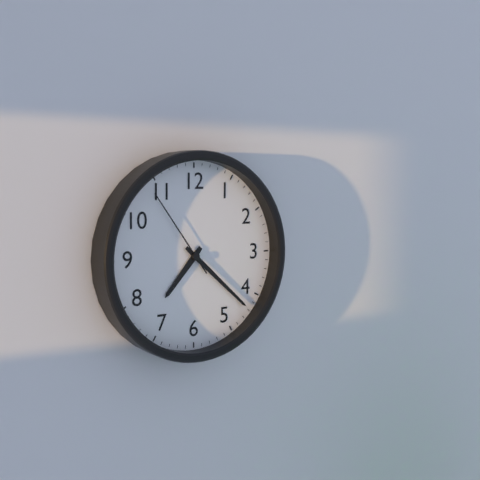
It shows 7,22,54
